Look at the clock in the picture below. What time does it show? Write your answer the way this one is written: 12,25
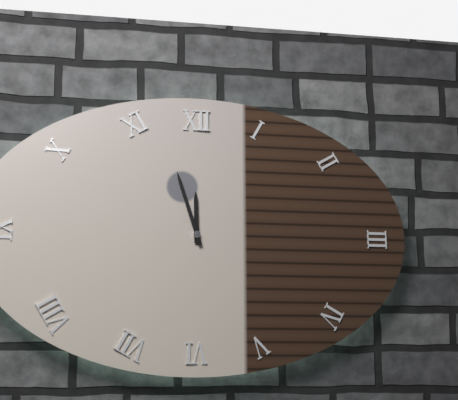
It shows 11,57
